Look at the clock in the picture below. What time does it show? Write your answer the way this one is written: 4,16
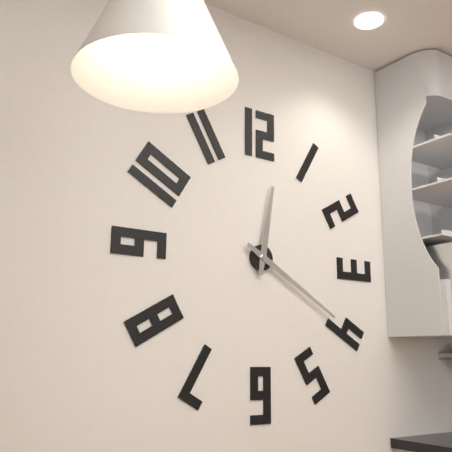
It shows 12,20
